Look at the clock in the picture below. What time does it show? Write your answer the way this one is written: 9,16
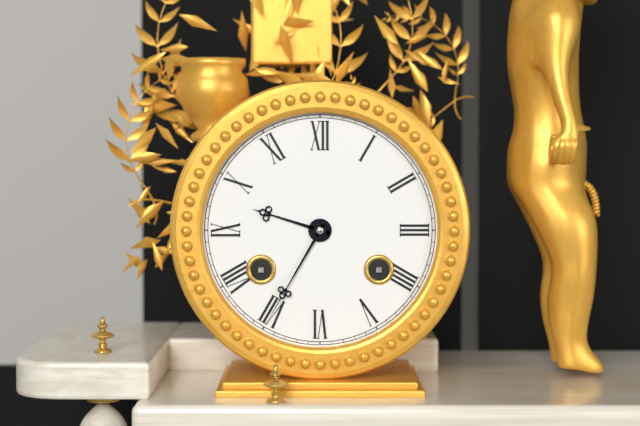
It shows 9,35
